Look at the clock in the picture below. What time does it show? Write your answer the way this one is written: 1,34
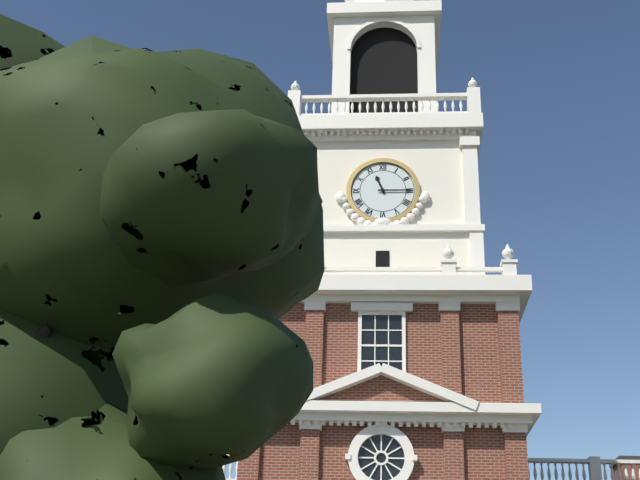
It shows 11,15
